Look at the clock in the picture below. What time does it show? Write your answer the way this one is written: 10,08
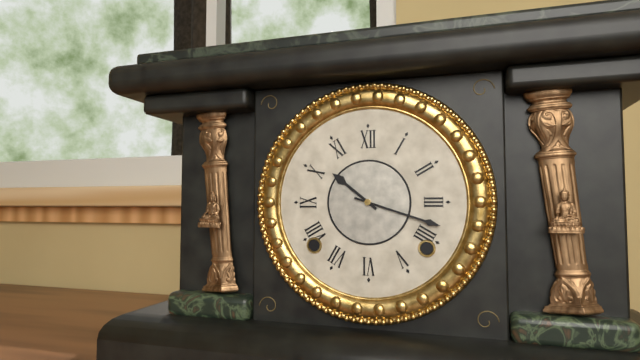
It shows 10,18
